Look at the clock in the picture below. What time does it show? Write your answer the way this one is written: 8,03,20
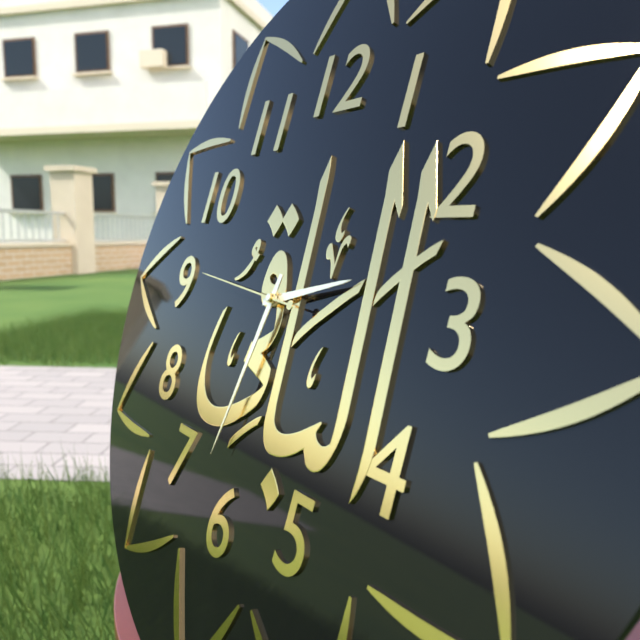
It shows 2,32,46
